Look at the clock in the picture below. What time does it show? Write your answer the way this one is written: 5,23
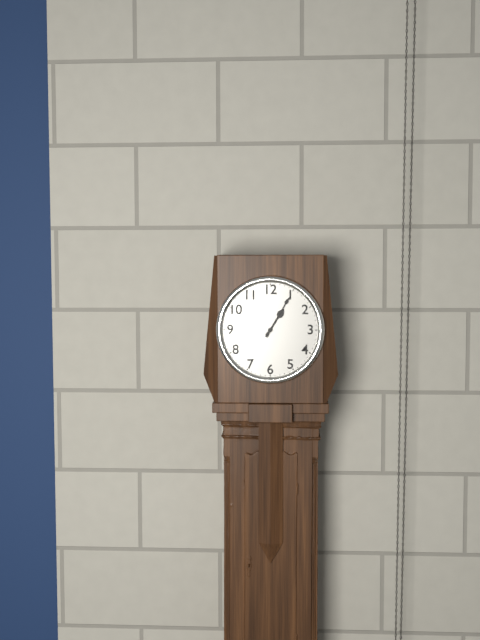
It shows 1,05
